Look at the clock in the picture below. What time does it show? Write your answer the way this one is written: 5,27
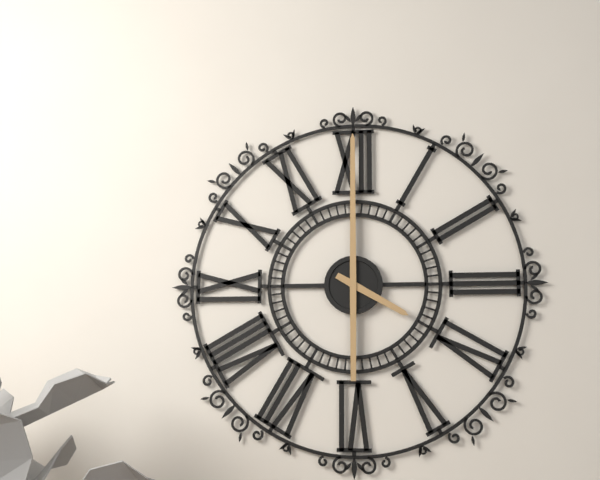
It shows 4,00
